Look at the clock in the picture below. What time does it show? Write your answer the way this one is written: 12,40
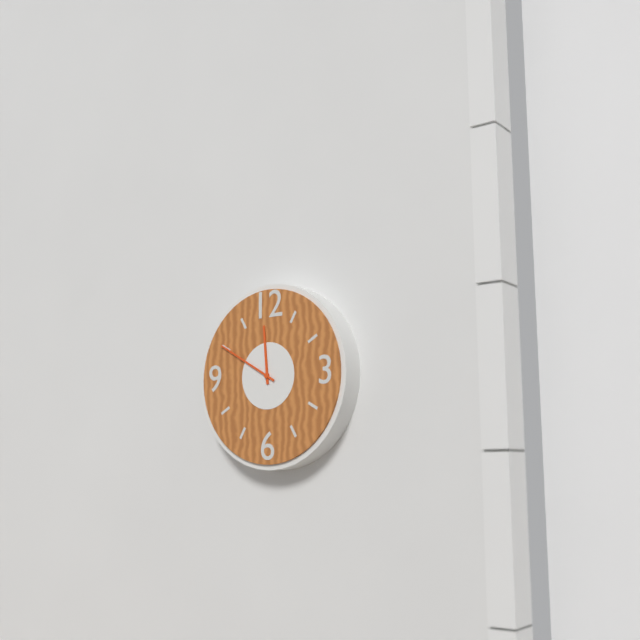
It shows 11,50
